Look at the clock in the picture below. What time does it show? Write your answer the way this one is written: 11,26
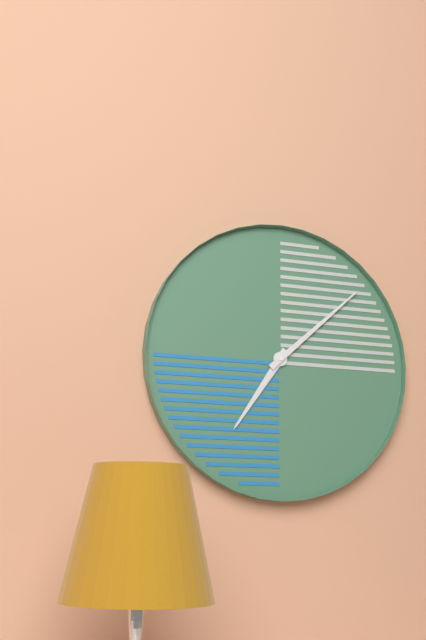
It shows 7,08
